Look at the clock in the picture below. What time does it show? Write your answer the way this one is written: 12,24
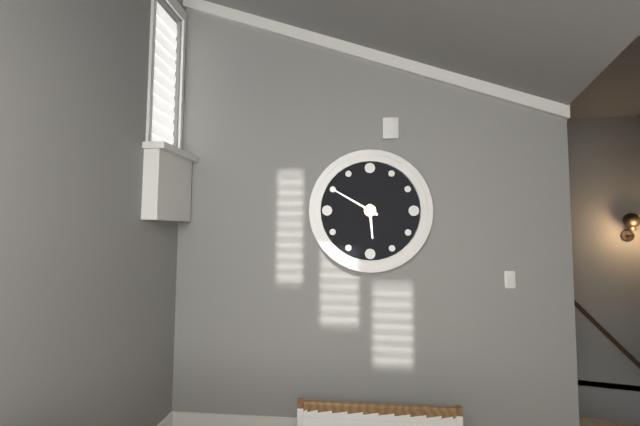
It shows 5,50
